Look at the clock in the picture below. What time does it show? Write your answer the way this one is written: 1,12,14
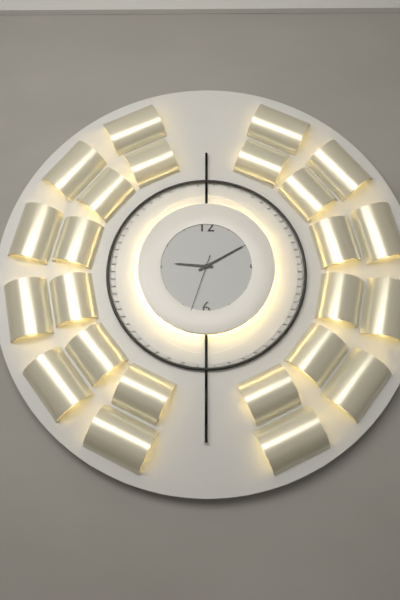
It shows 9,10,33
